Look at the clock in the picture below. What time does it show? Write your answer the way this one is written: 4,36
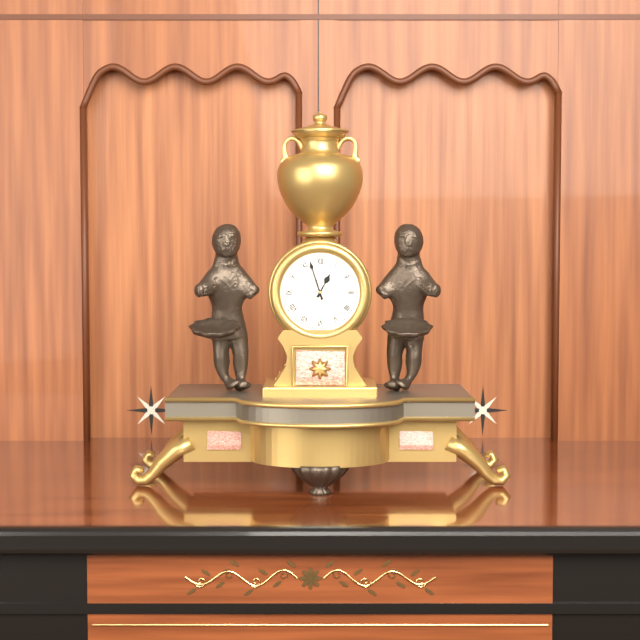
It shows 12,57
